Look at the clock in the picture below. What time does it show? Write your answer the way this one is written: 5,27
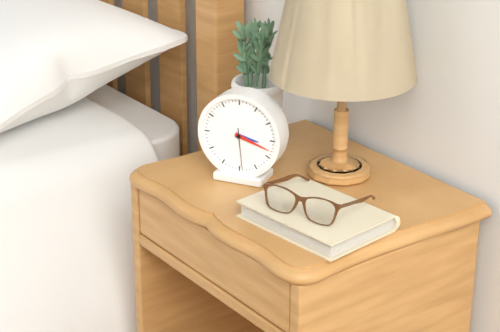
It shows 3,18
